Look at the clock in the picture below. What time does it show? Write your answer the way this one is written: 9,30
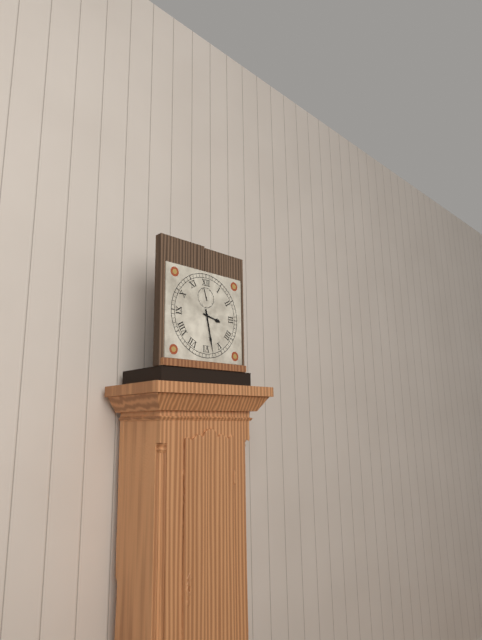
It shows 3,28
